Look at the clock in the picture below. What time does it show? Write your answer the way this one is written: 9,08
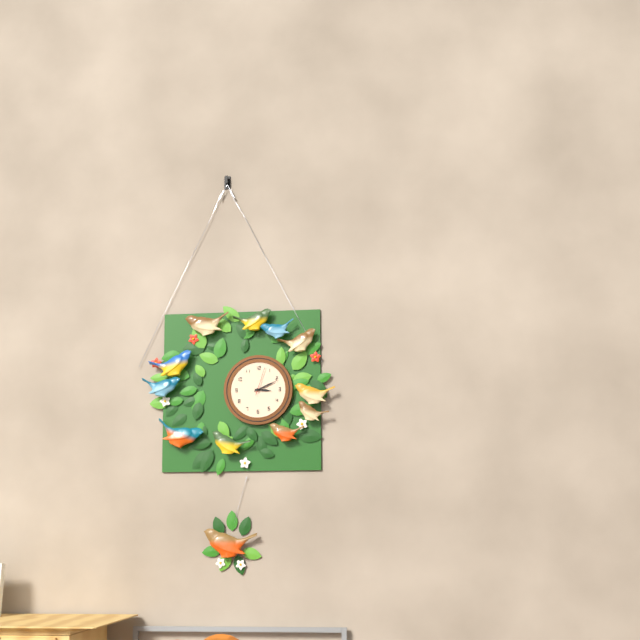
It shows 3,11
